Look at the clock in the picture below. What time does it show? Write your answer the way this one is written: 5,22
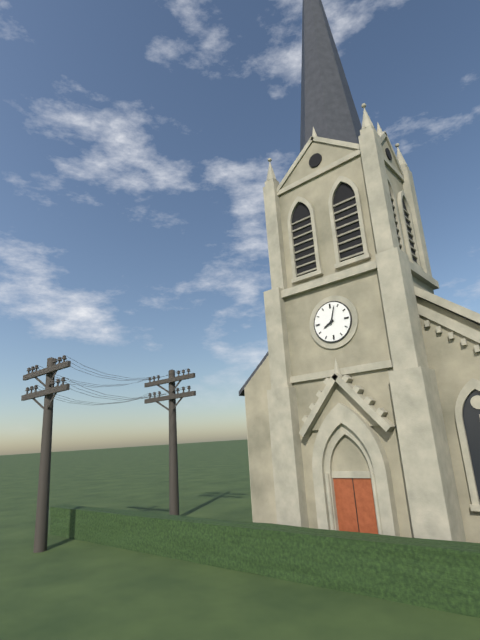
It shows 8,03
